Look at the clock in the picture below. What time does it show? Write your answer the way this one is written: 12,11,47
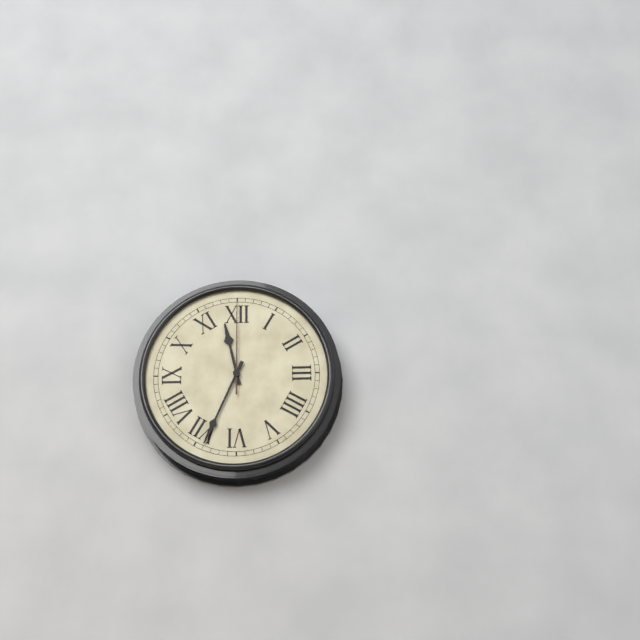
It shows 11,34,00
